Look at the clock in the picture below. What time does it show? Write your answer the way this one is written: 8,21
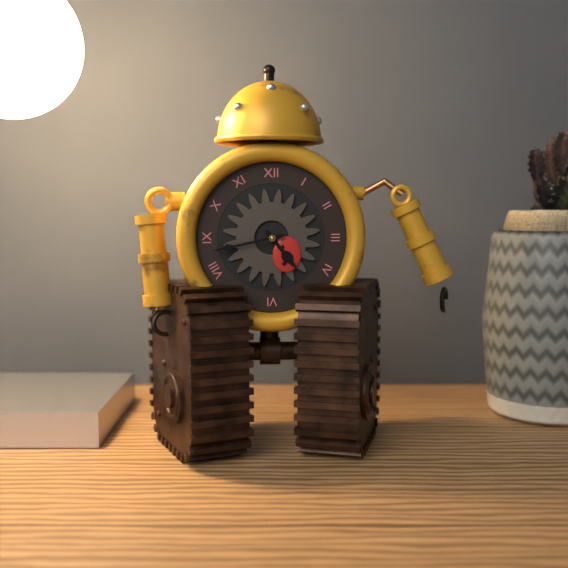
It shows 4,43
